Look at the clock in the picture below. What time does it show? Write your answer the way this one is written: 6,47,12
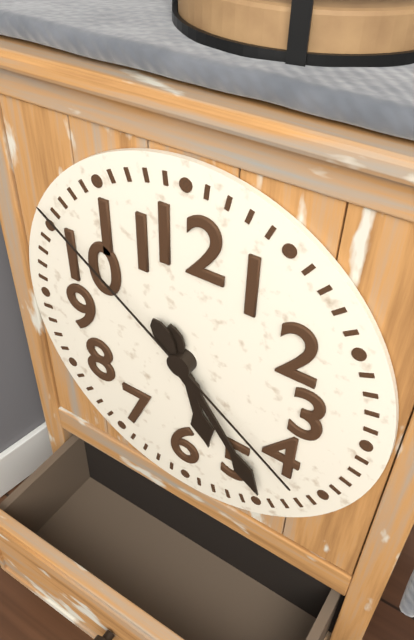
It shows 5,24,51
